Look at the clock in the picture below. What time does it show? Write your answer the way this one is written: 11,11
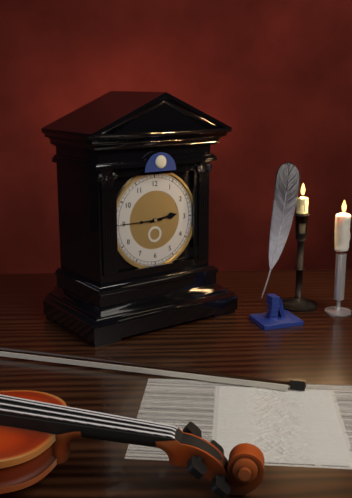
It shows 2,45
